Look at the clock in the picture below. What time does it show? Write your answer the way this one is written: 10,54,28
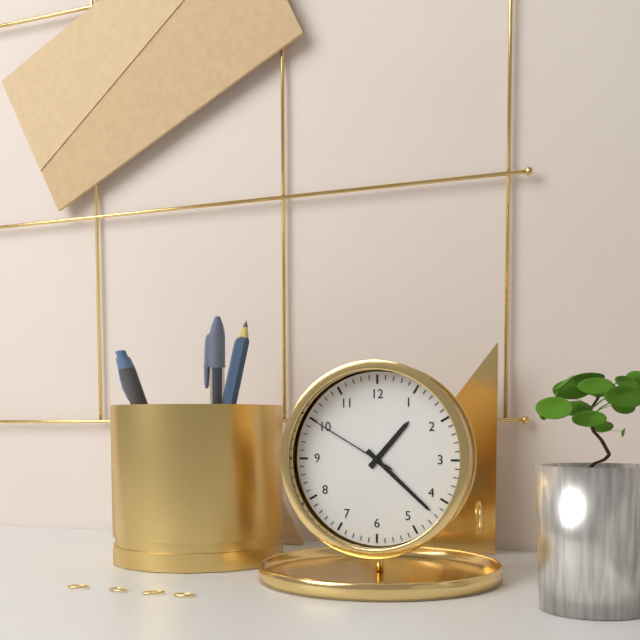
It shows 1,22,50
